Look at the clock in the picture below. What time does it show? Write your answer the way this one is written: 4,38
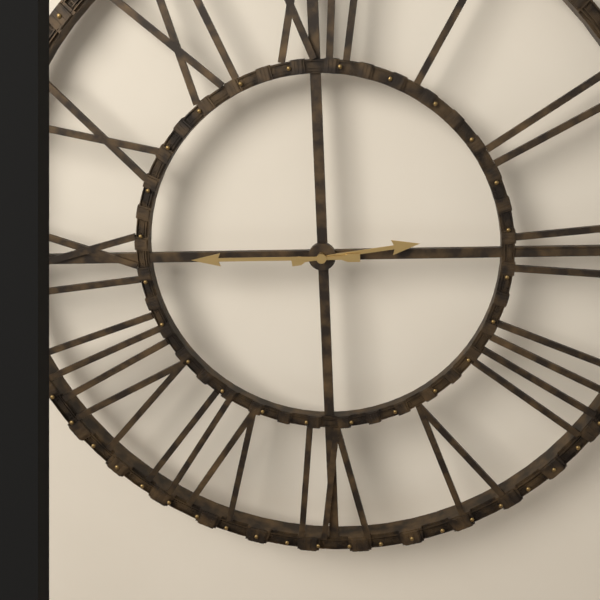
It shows 2,45
